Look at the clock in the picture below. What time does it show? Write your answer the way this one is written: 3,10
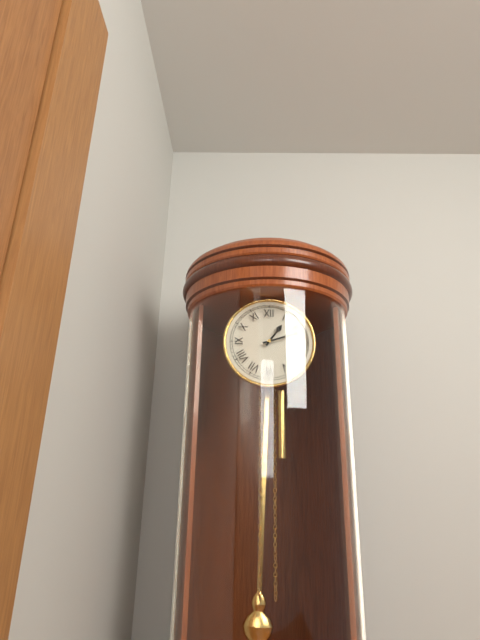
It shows 1,12
